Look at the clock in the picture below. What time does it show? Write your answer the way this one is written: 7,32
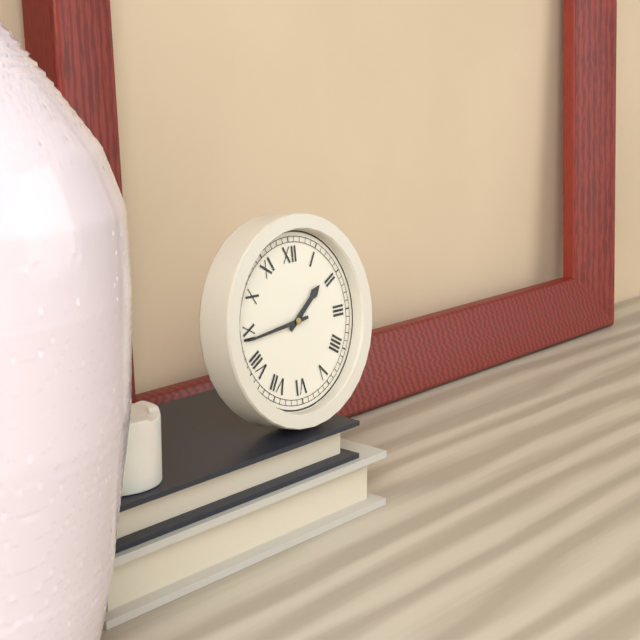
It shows 1,44
